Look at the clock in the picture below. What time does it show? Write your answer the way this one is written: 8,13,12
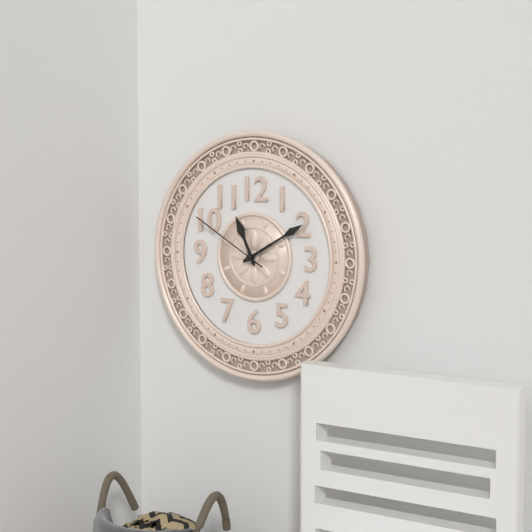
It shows 11,10,50
